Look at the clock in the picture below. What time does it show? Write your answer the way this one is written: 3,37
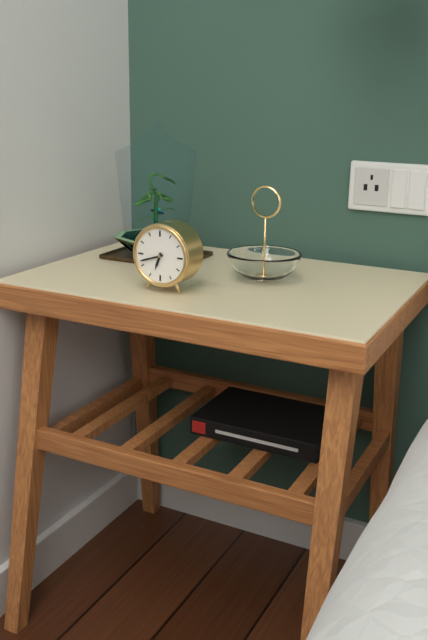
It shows 6,42
